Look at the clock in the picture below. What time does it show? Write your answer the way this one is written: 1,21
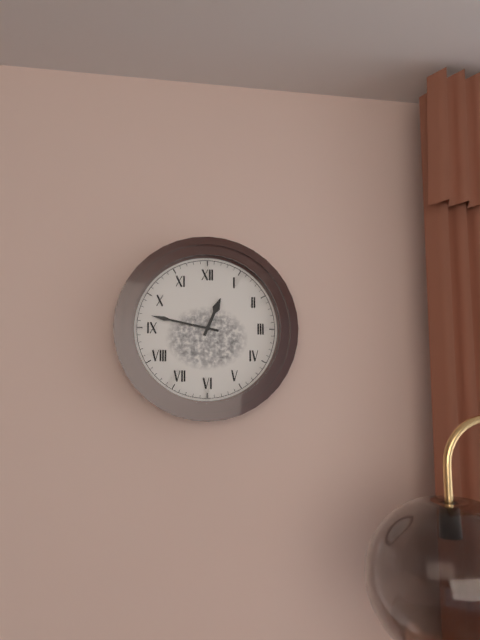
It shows 12,47
